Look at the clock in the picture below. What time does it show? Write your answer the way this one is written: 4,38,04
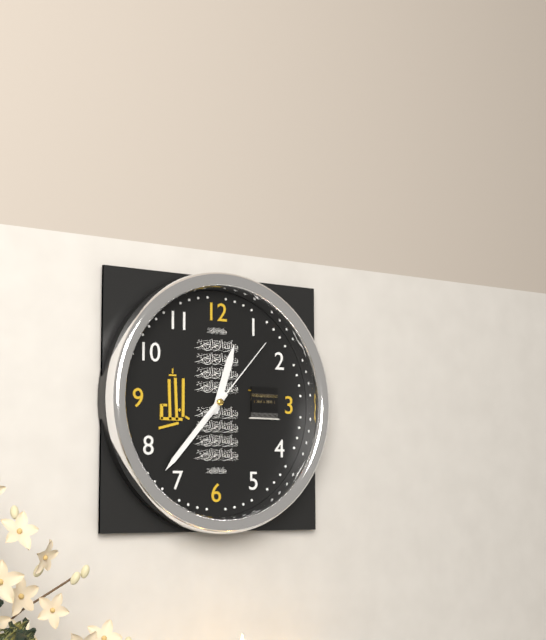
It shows 12,37,07
